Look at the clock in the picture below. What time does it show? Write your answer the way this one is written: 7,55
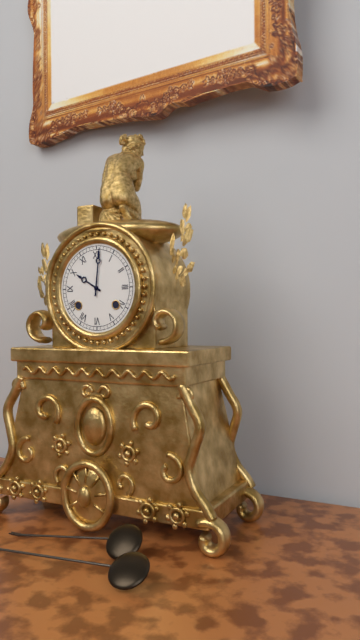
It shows 10,01
